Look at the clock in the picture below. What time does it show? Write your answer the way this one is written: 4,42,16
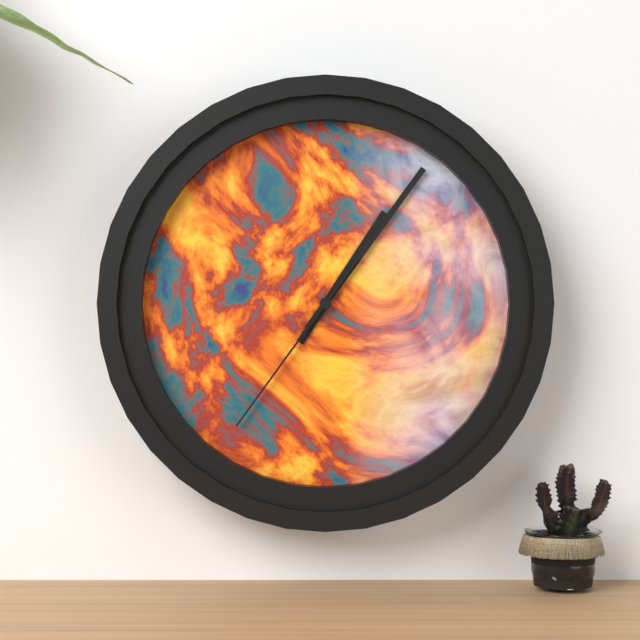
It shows 1,06,36
